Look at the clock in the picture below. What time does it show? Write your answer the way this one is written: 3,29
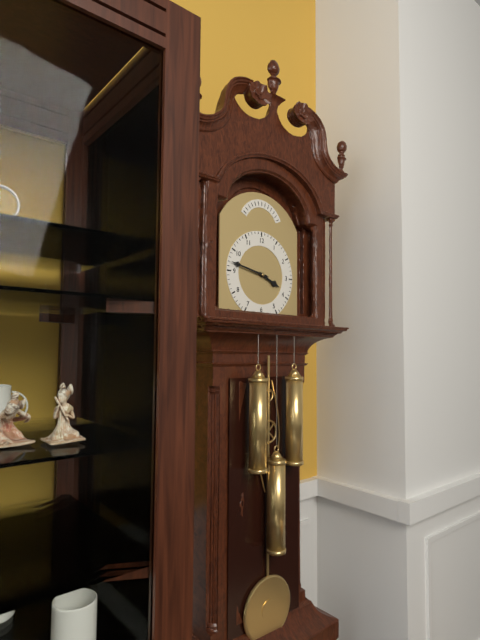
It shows 3,47
